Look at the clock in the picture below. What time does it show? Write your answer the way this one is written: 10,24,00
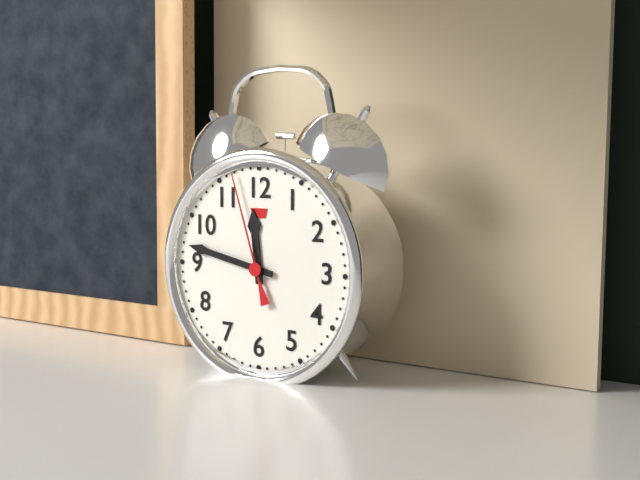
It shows 11,47,57
